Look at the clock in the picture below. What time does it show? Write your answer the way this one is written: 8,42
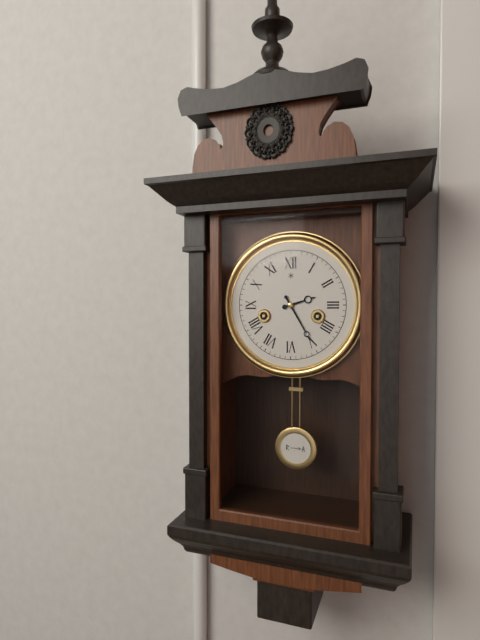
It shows 2,25
